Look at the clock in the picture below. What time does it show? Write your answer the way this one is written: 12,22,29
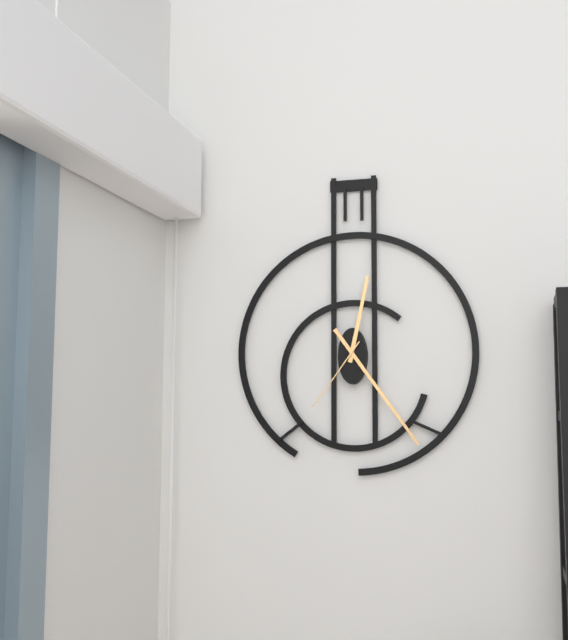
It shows 12,24,36
